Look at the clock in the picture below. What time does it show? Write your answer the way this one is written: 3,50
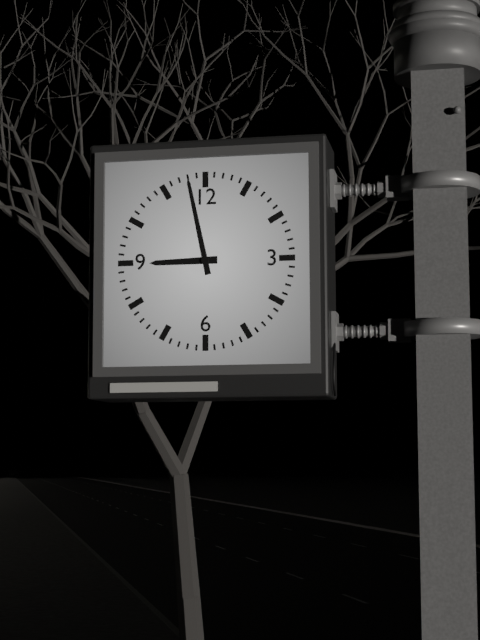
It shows 8,58
